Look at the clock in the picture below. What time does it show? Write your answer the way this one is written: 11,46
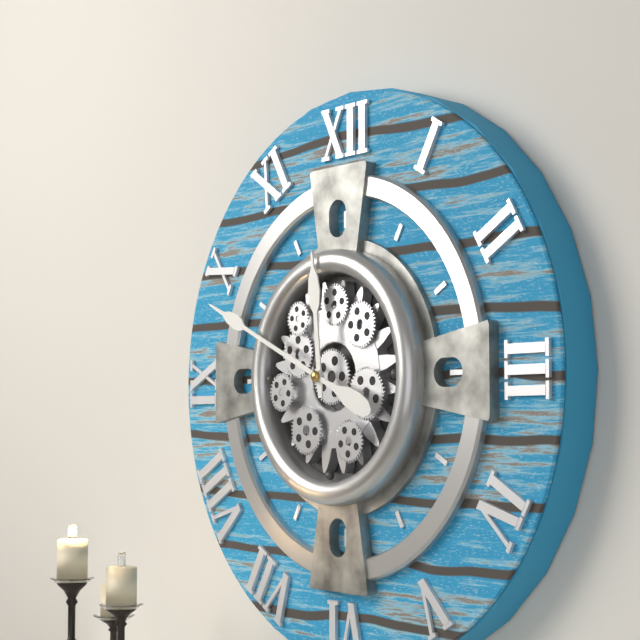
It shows 11,49
